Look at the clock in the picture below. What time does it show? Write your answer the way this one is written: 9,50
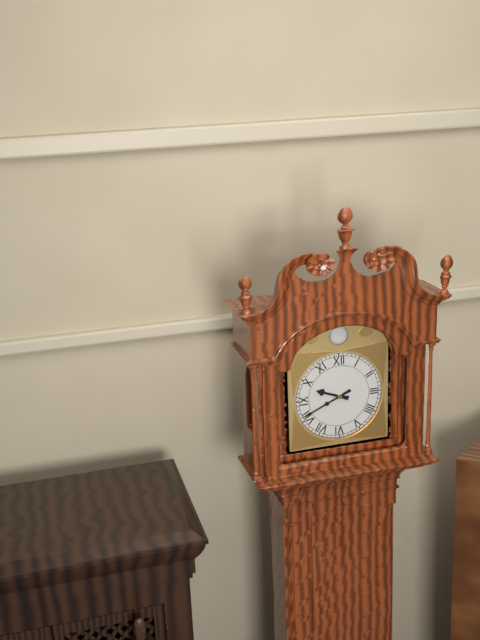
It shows 9,41
